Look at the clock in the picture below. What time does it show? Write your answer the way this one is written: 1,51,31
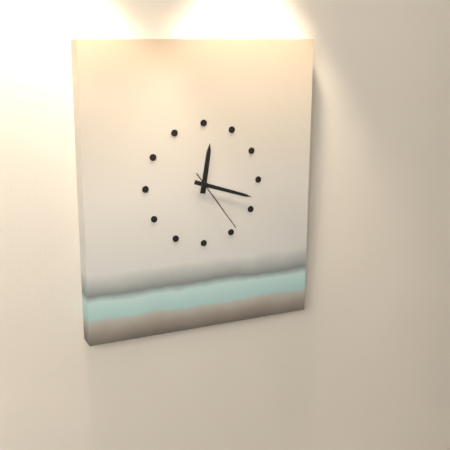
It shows 12,18,24
